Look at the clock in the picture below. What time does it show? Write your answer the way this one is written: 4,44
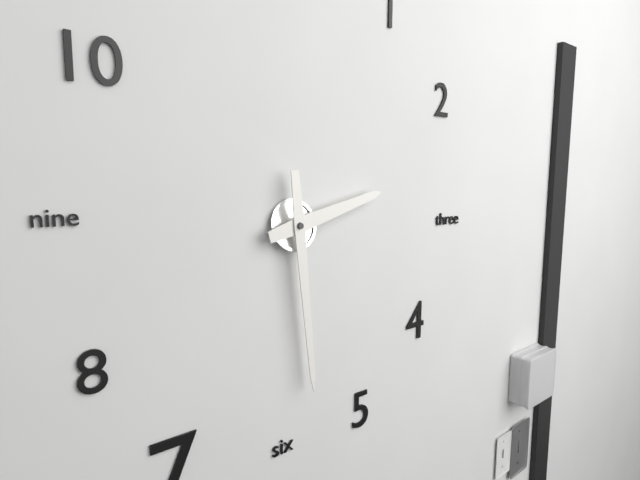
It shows 2,29
